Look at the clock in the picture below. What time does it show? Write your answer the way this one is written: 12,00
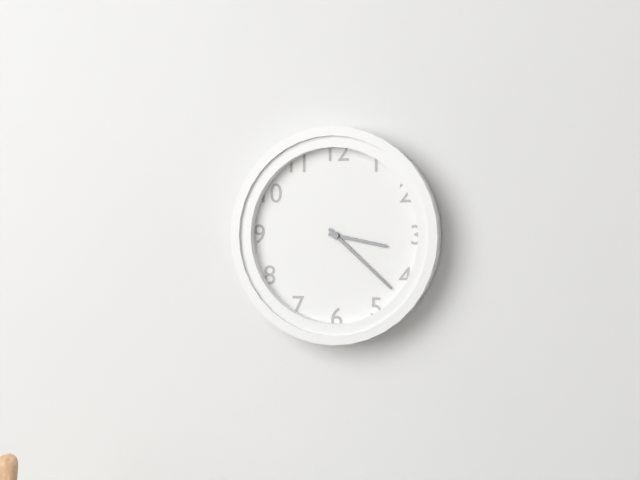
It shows 3,22
